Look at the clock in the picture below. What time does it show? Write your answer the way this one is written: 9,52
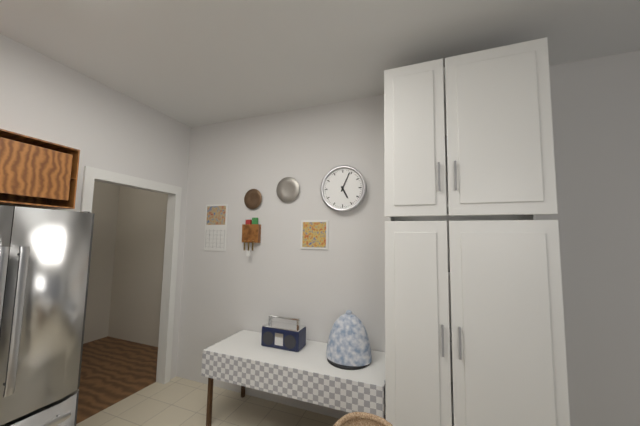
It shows 5,04
